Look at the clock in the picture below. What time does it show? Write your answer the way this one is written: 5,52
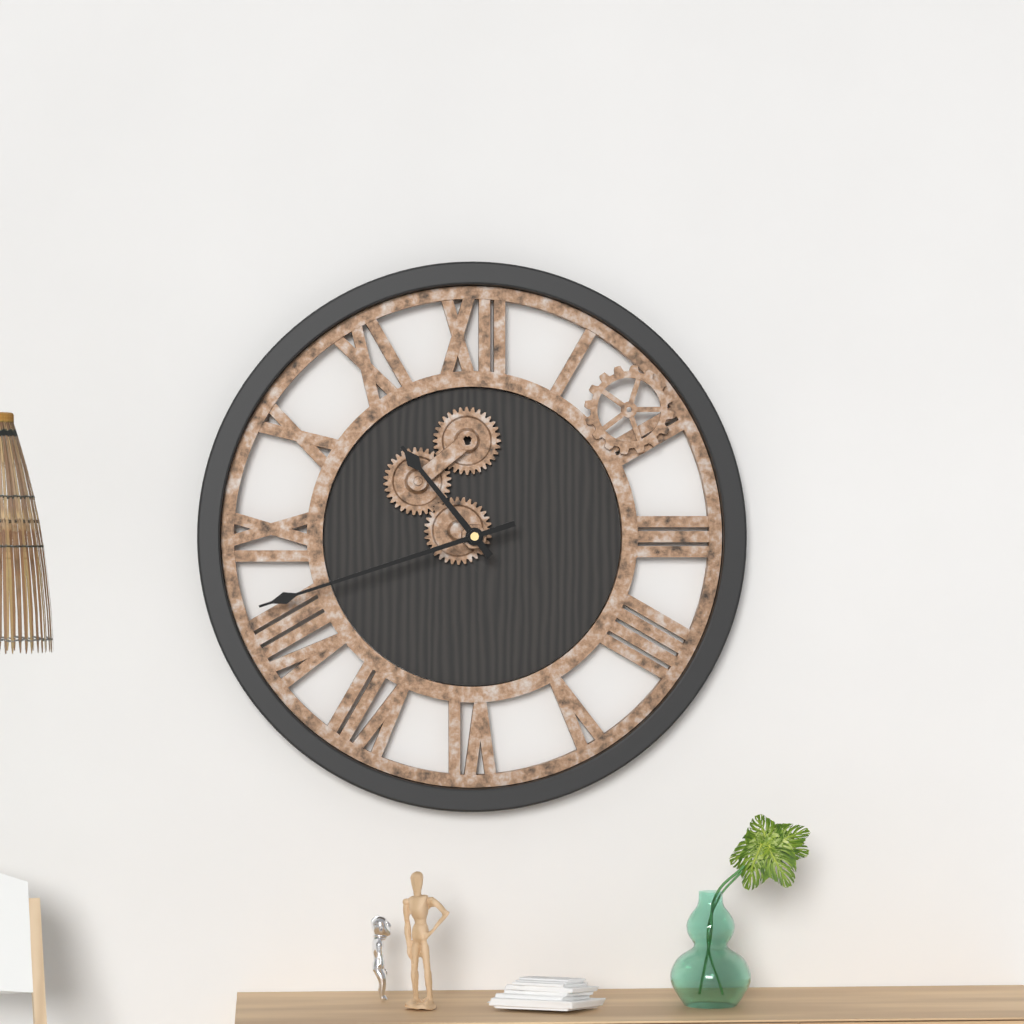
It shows 10,42
